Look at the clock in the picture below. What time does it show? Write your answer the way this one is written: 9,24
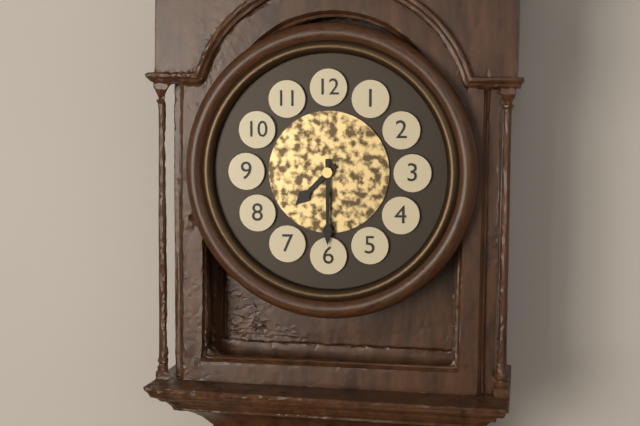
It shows 7,30
